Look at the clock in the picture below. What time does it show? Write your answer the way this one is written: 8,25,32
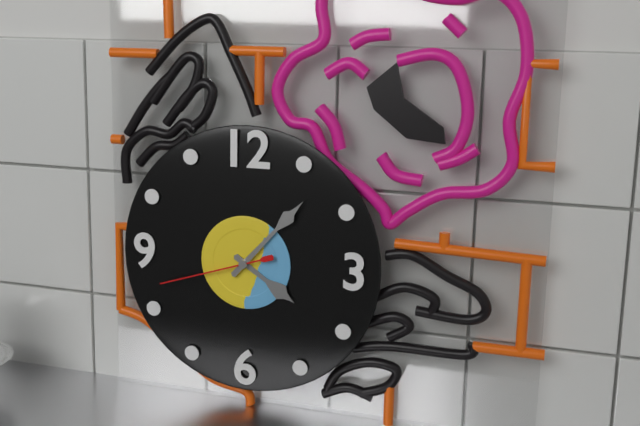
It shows 4,07,42
